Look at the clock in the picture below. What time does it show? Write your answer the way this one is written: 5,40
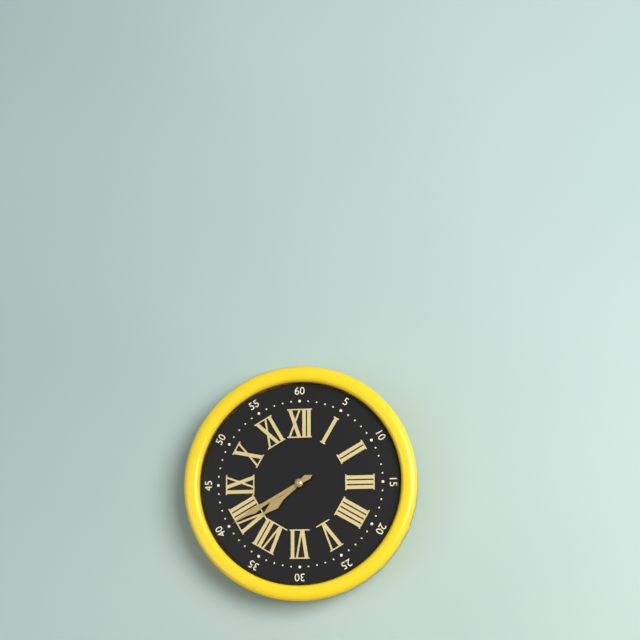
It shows 7,40
